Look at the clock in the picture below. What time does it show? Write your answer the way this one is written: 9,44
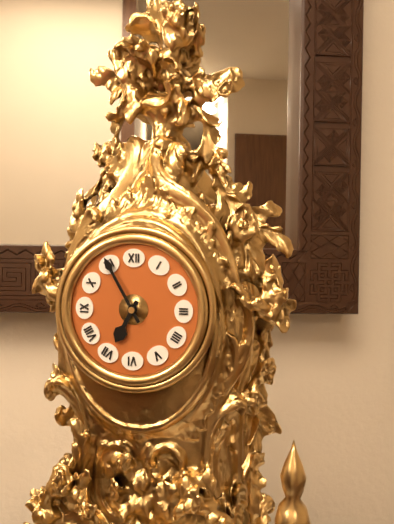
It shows 6,55
